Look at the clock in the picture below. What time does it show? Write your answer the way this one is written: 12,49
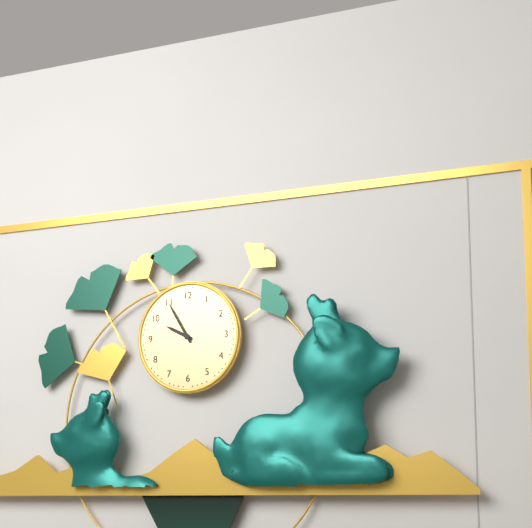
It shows 9,55
